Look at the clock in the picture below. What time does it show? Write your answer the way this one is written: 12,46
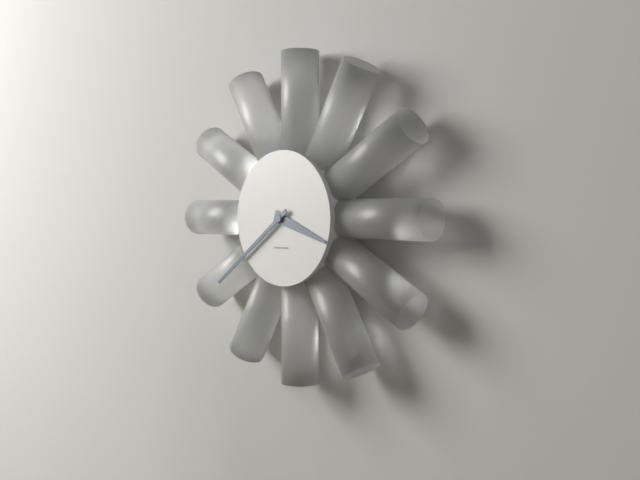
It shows 3,39
